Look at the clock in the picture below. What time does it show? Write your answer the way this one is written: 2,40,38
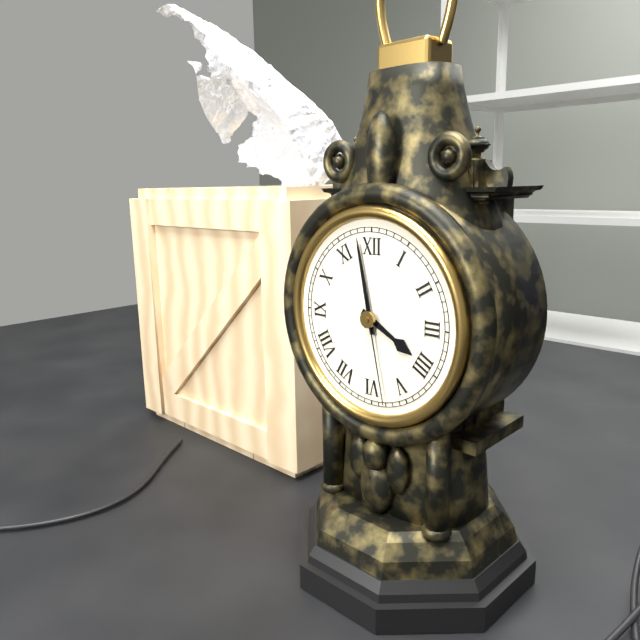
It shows 3,58,28
